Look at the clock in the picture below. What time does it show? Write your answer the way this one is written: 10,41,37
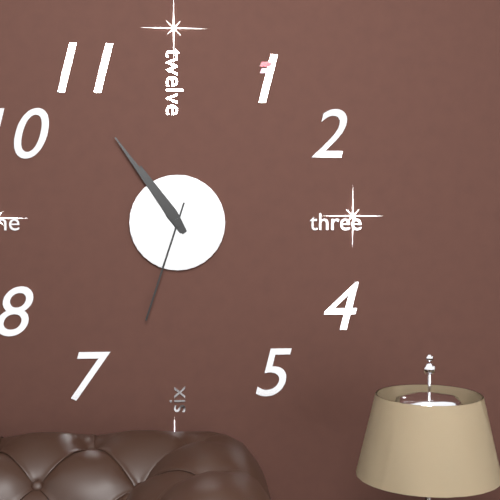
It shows 10,54,33
